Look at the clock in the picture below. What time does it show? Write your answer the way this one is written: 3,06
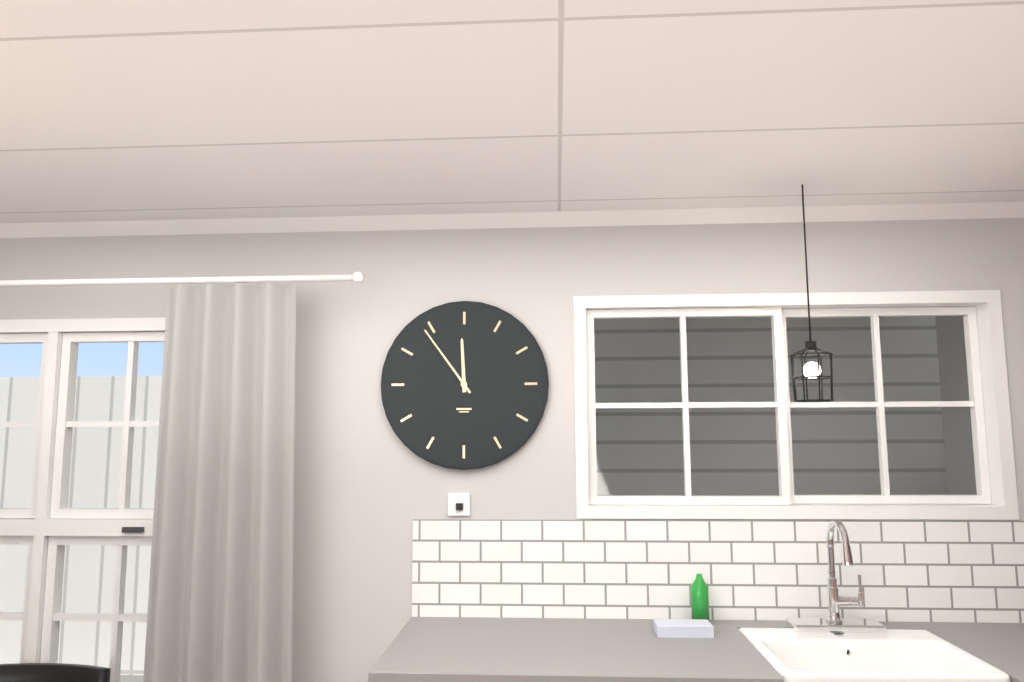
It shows 11,54
